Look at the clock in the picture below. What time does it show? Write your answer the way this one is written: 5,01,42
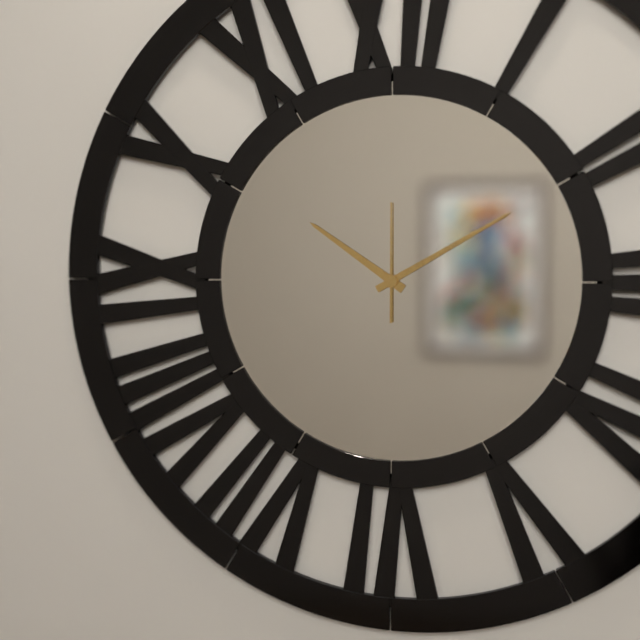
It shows 10,10,00
